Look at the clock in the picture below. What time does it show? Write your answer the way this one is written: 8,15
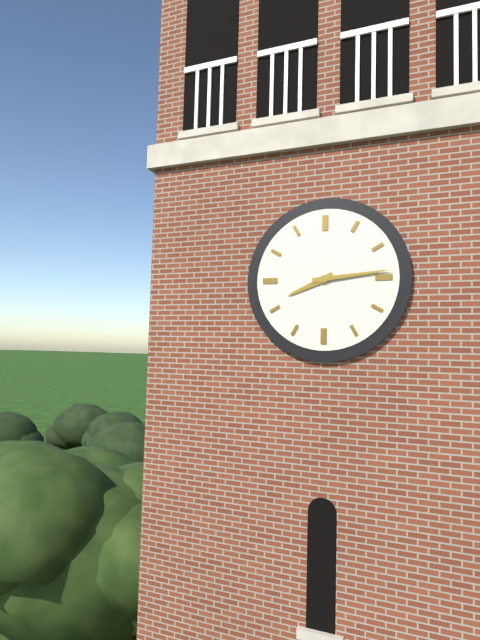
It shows 8,14
